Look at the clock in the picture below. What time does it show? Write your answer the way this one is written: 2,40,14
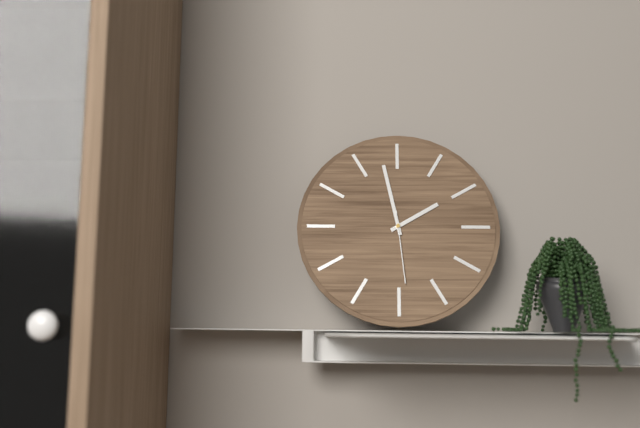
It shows 1,58,29
